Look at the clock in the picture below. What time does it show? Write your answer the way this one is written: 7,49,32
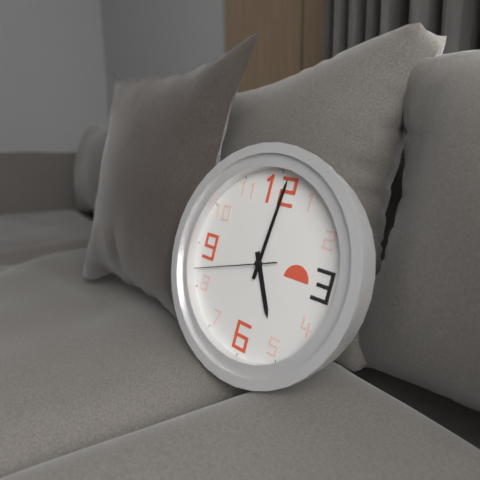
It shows 5,01,42
